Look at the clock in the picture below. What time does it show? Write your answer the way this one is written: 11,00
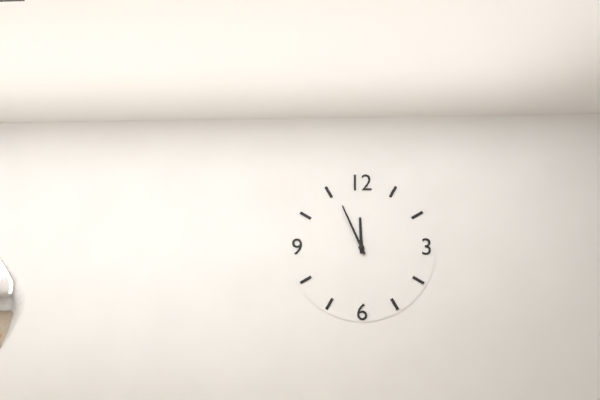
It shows 11,56
